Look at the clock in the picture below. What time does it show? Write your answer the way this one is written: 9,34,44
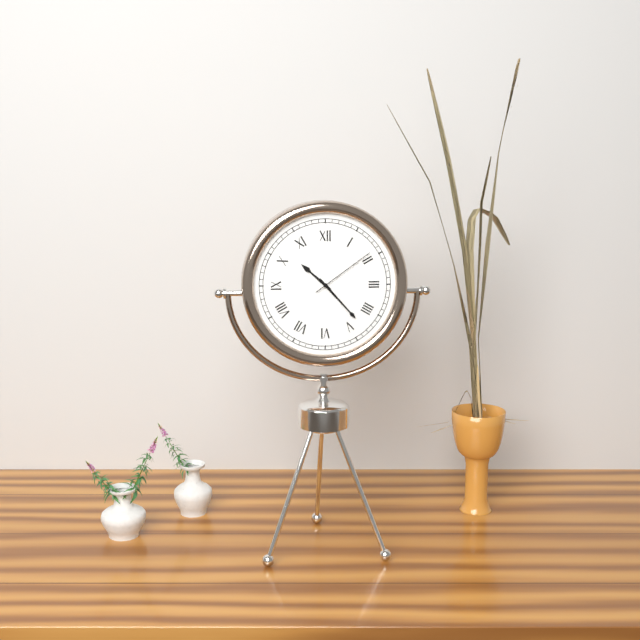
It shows 10,23,09
